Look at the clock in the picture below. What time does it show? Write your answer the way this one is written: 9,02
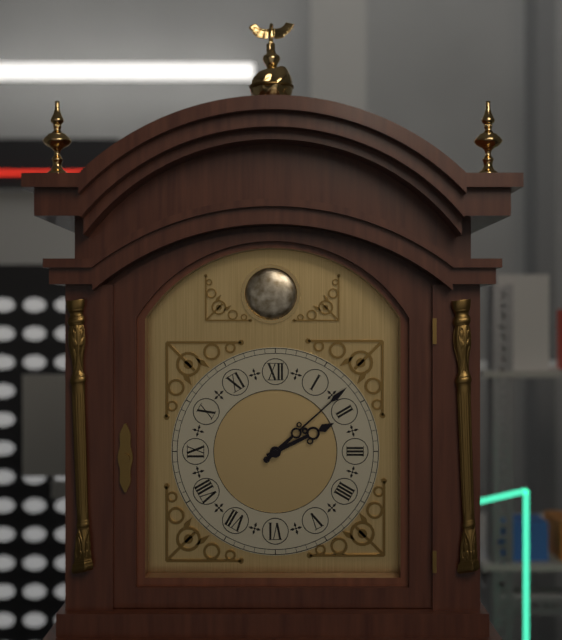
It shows 2,08
